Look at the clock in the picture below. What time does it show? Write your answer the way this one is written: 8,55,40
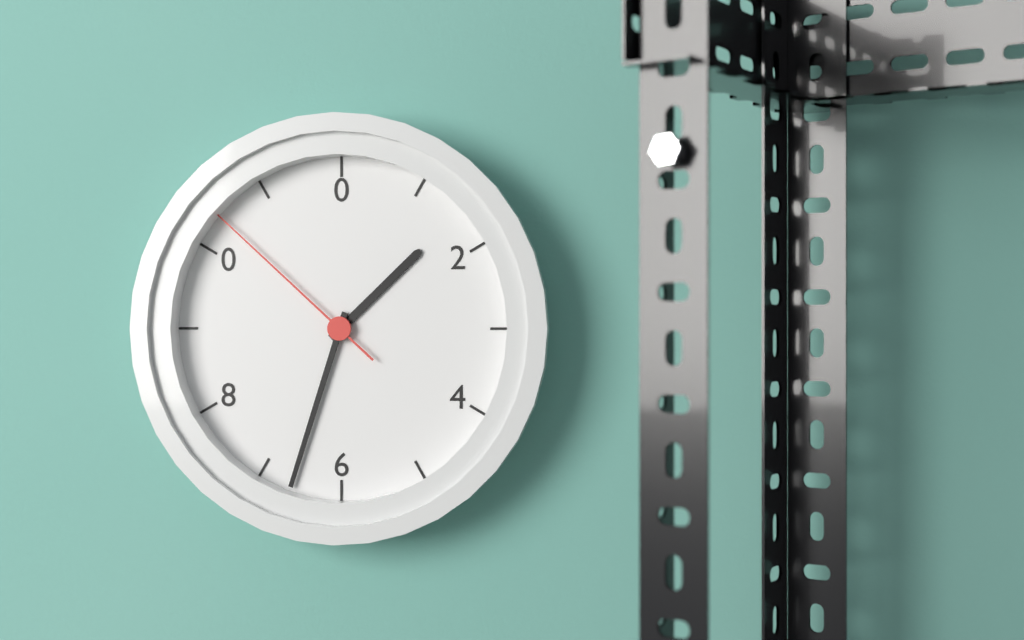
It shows 1,33,52
